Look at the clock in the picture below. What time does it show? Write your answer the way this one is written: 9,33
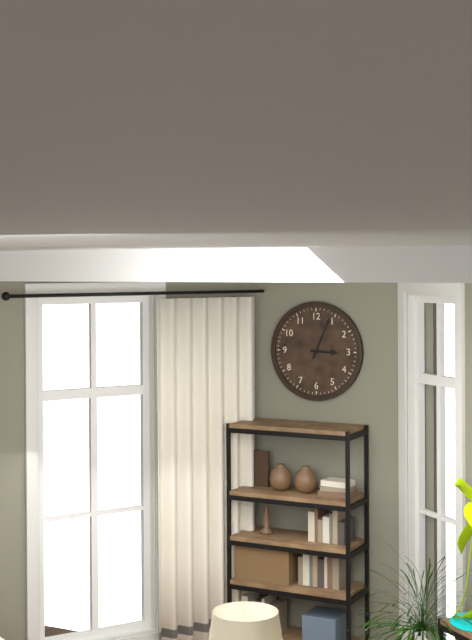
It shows 3,04
